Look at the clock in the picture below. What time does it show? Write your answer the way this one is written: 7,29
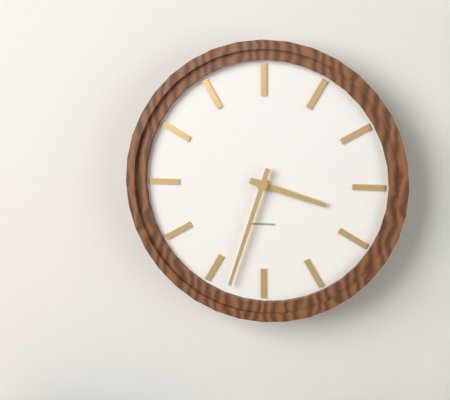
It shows 3,33
